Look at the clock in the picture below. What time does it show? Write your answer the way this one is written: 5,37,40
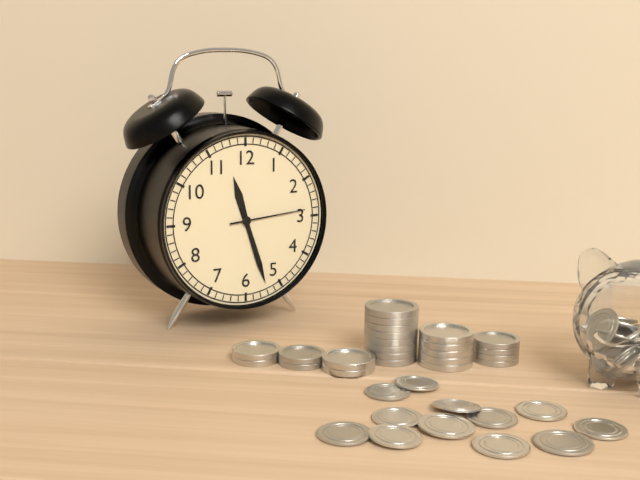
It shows 11,27,14
